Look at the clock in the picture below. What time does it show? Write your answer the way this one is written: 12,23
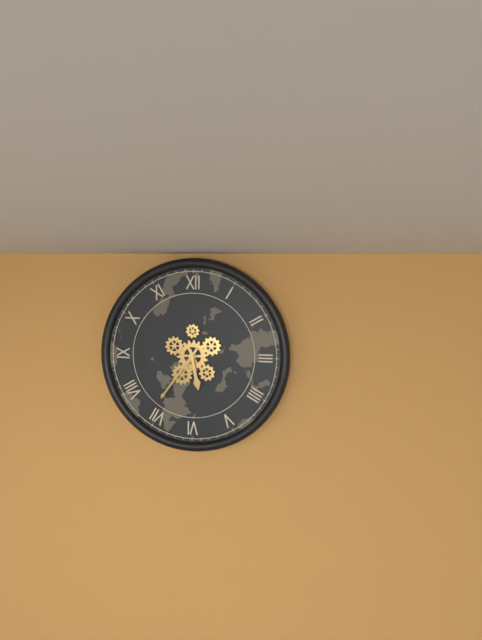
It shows 5,36
